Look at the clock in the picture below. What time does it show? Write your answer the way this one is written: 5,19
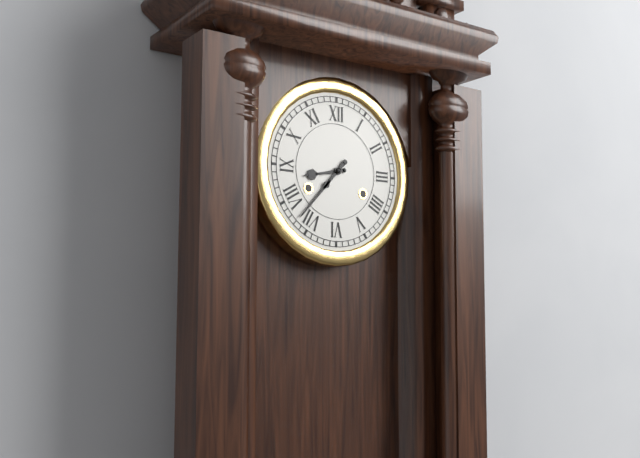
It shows 8,37
